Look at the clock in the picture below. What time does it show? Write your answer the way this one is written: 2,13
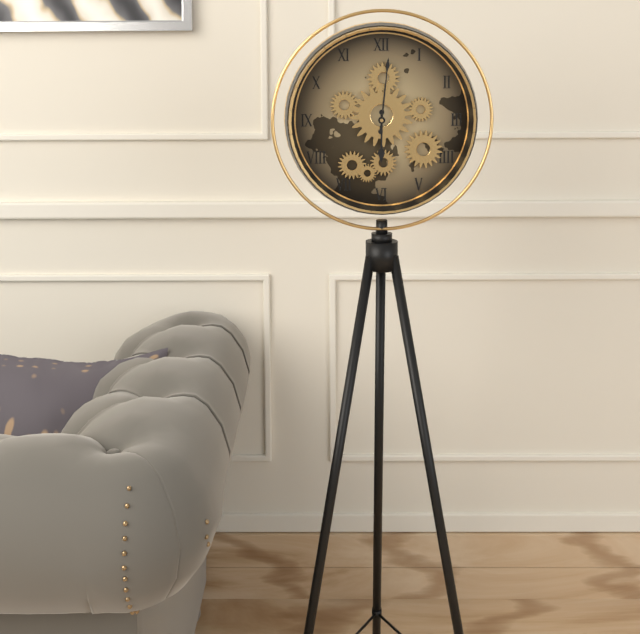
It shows 6,01
